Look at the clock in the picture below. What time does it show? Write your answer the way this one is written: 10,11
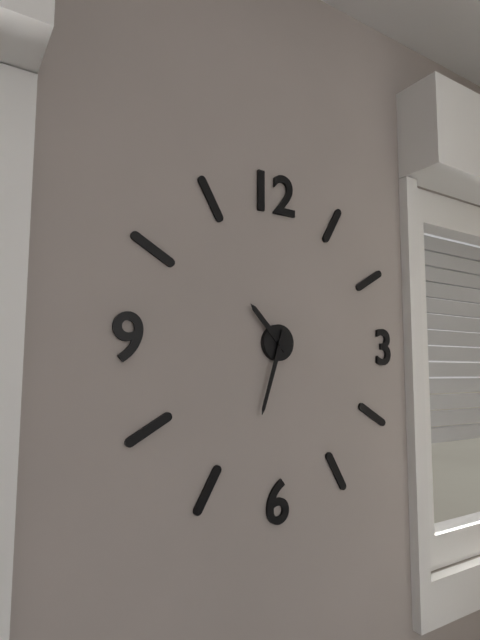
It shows 10,33
